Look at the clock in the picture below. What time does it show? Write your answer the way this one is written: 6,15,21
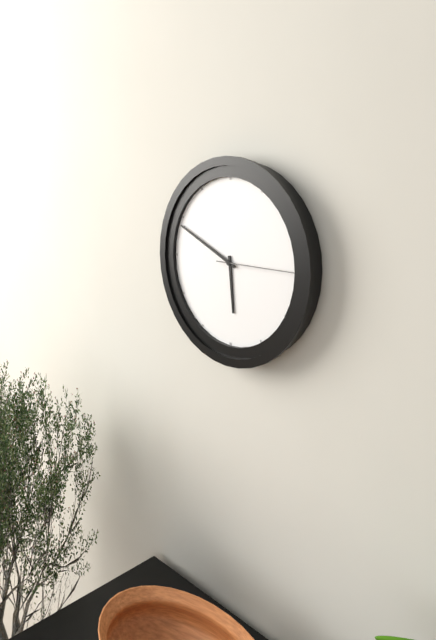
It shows 5,49,15
